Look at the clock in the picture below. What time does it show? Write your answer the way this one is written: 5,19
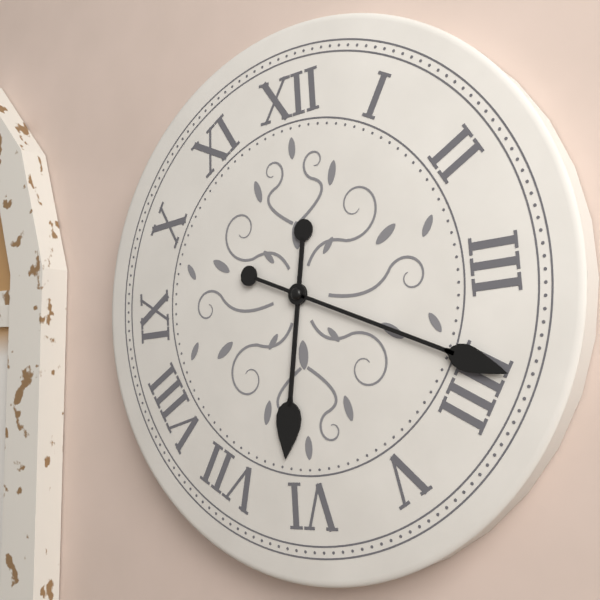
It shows 6,19
